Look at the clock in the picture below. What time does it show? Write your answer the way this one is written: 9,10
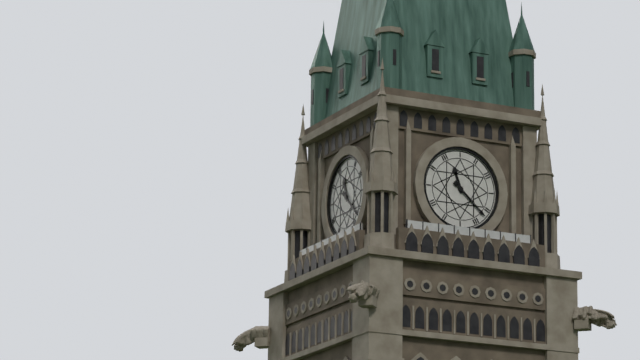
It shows 11,22
